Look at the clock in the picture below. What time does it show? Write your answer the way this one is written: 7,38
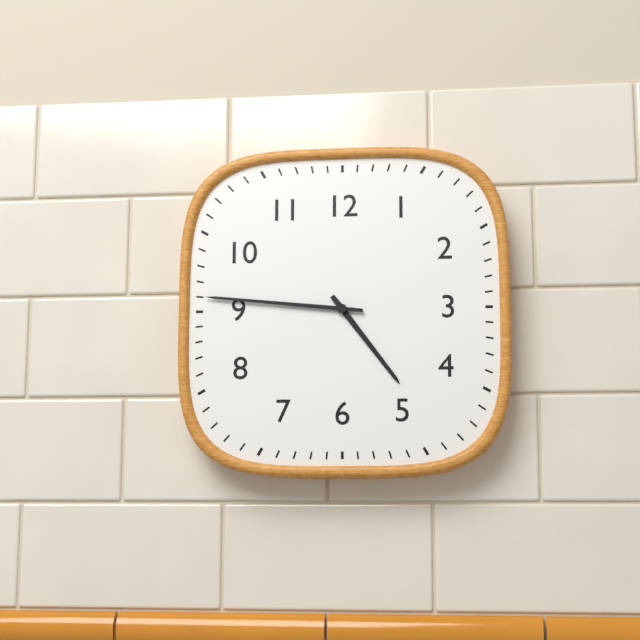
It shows 4,46
